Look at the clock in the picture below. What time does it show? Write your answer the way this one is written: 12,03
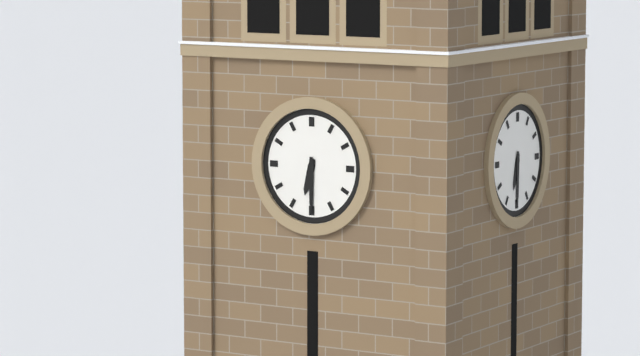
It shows 6,30
